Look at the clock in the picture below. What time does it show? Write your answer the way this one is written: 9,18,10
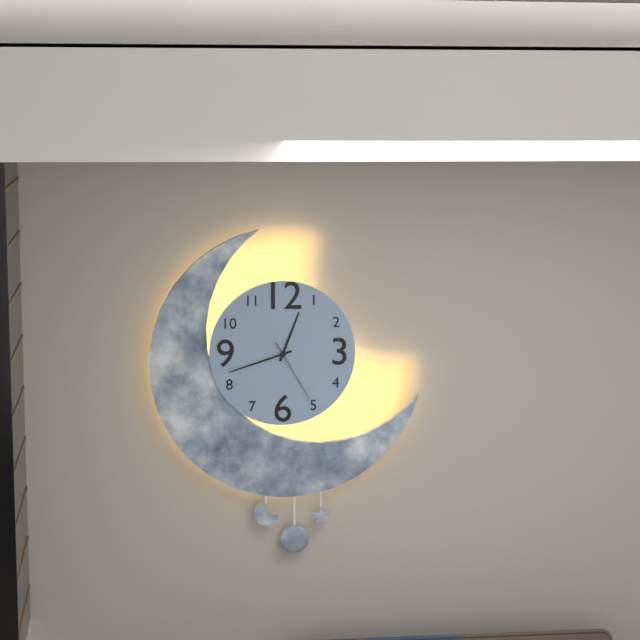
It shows 12,42,25
